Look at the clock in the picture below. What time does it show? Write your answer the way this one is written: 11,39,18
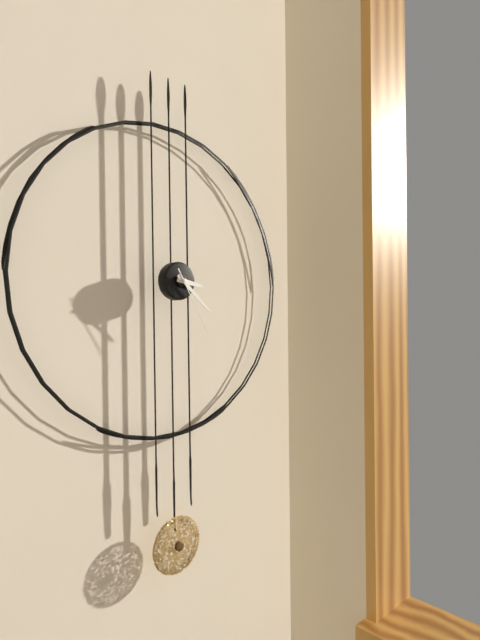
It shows 3,22,25
